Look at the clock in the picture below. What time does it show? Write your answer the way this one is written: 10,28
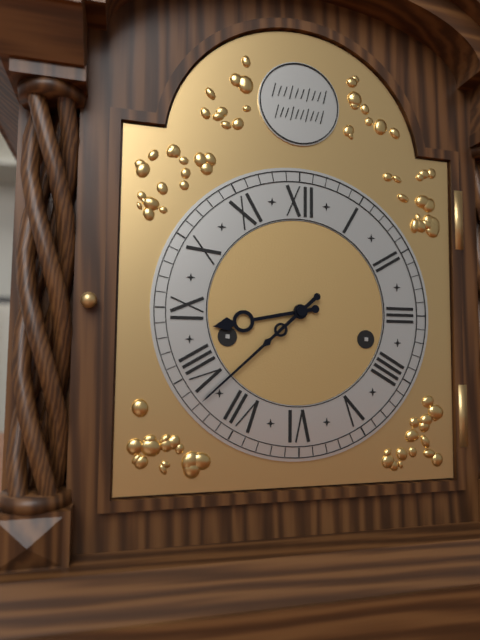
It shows 8,38
